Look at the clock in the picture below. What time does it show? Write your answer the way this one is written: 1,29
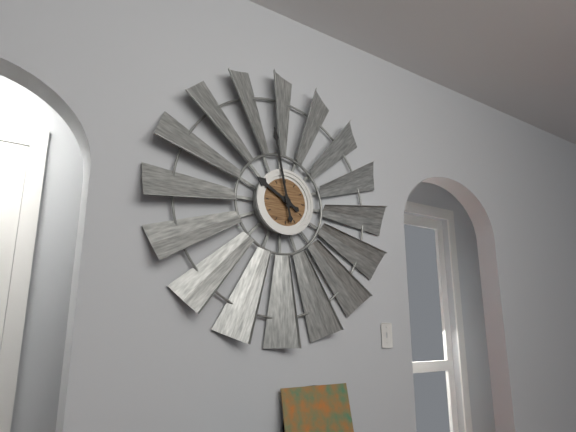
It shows 9,58
